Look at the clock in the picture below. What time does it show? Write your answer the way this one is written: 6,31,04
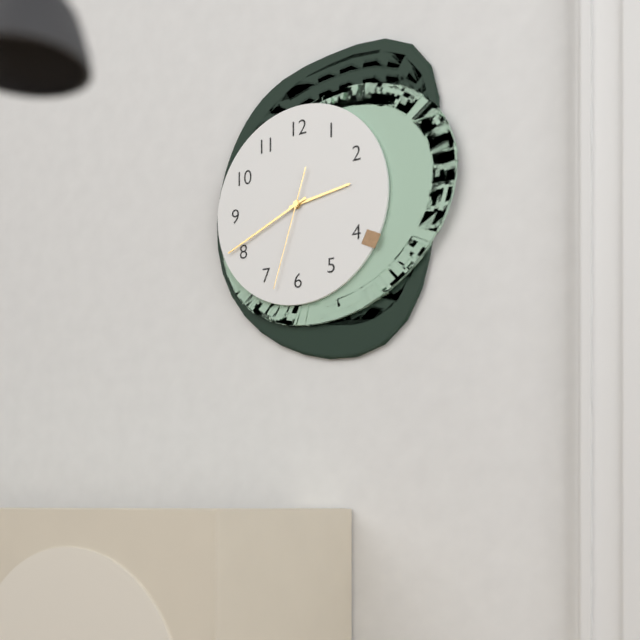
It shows 2,41,33
